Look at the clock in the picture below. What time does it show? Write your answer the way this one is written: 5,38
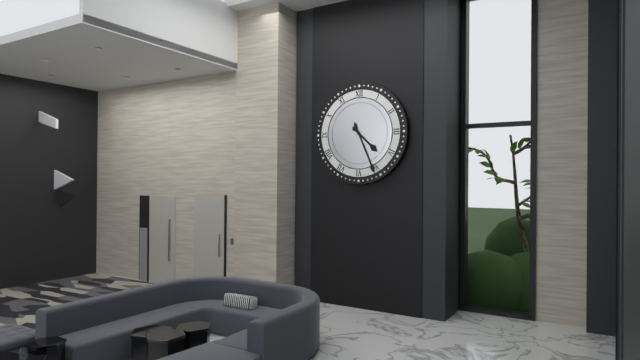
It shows 4,26
